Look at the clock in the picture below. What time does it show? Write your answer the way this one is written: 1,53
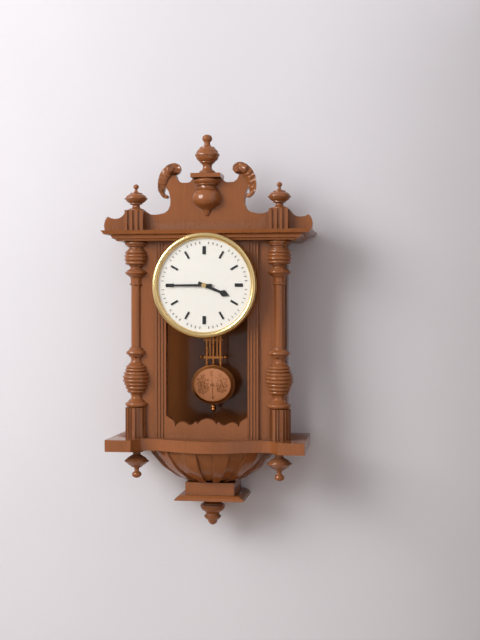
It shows 3,45
